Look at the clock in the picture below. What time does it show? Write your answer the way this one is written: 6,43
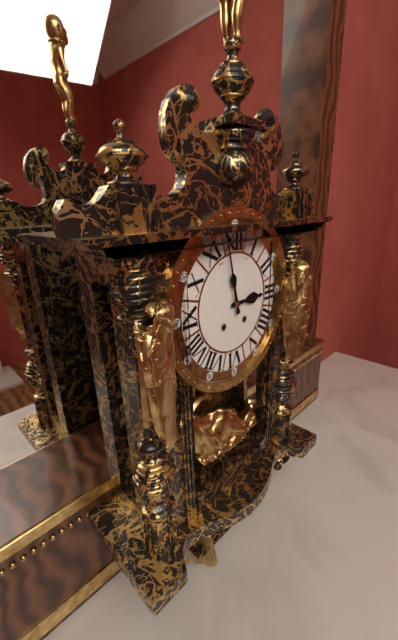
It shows 2,58
